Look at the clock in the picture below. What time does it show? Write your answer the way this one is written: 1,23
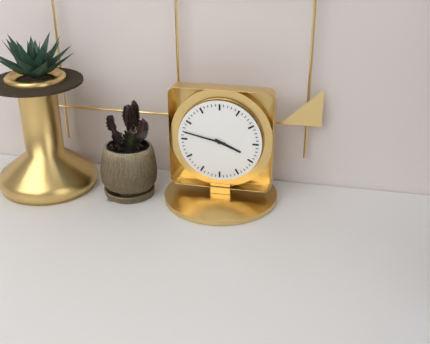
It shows 3,47
